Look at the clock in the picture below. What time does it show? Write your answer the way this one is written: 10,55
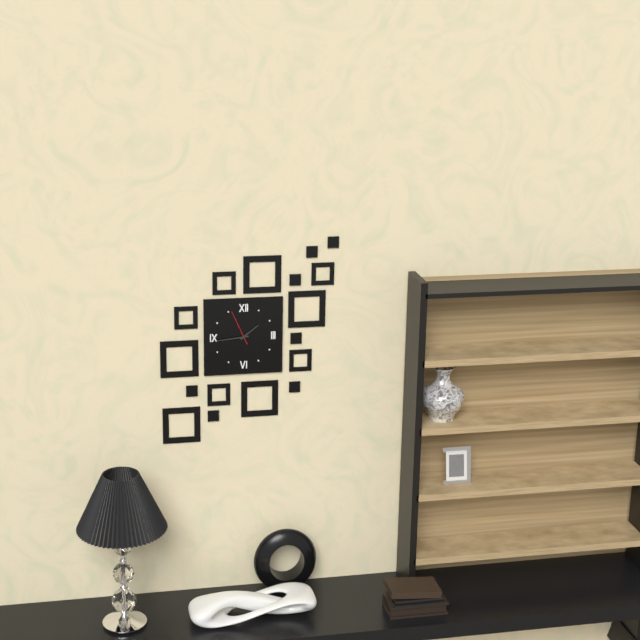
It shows 1,44
